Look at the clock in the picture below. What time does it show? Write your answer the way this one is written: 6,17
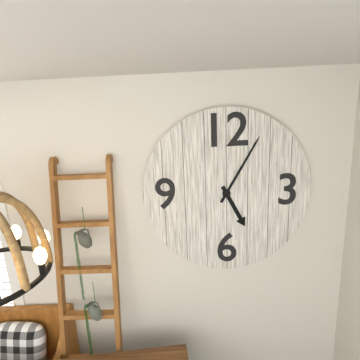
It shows 5,05
